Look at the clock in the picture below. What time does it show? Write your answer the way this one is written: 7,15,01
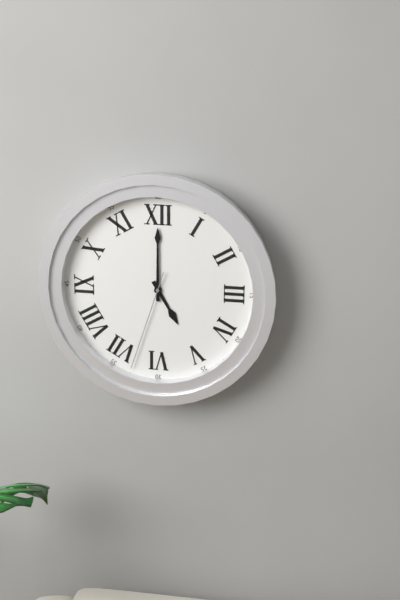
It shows 5,00,33
